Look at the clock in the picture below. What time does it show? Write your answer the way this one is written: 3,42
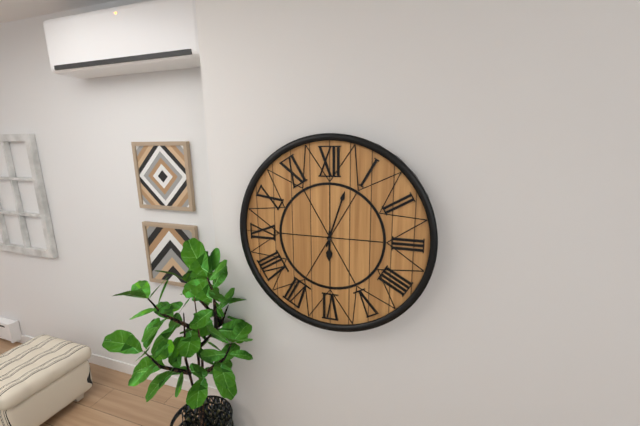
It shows 6,03
